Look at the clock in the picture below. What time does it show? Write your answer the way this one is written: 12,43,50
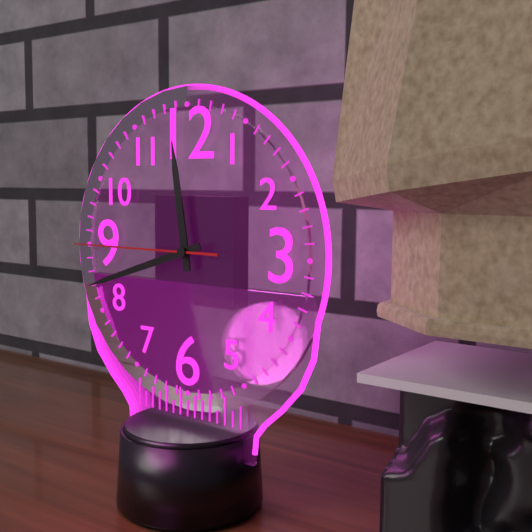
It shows 11,42,45
